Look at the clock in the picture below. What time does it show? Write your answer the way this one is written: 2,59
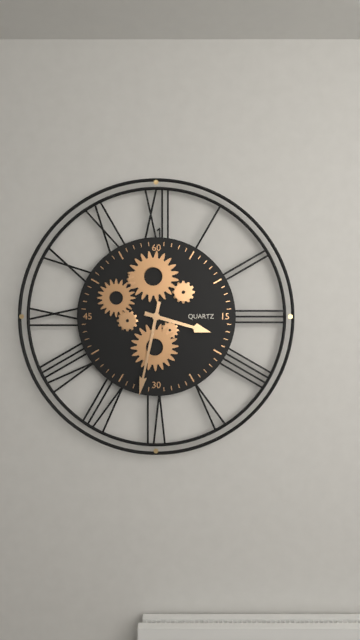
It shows 3,32
